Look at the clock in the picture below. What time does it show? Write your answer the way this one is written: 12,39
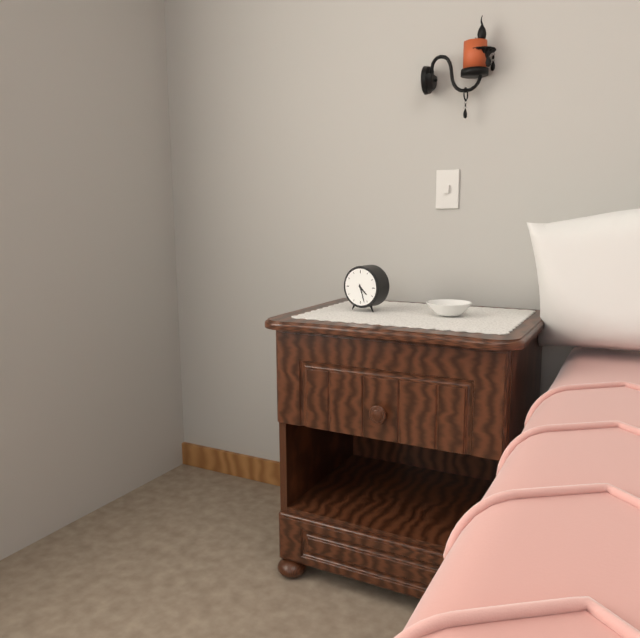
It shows 4,27
